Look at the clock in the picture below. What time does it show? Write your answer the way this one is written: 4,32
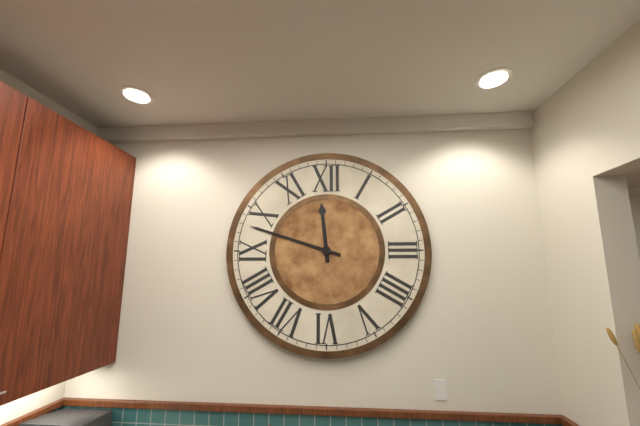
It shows 11,48
